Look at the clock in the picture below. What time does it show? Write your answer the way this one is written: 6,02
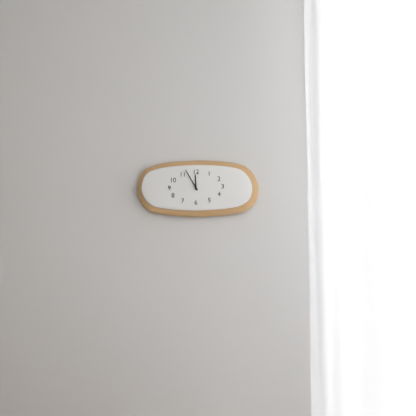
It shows 11,55
